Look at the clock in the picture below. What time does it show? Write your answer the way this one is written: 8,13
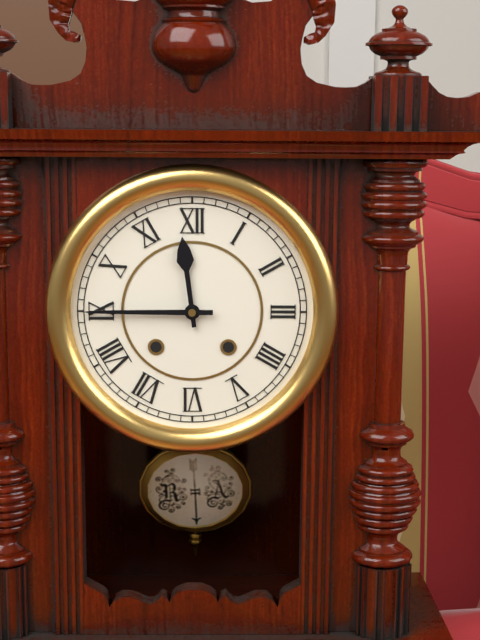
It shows 11,45
